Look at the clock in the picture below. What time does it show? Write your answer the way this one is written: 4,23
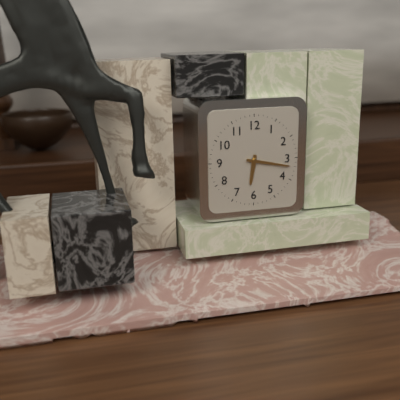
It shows 6,17
